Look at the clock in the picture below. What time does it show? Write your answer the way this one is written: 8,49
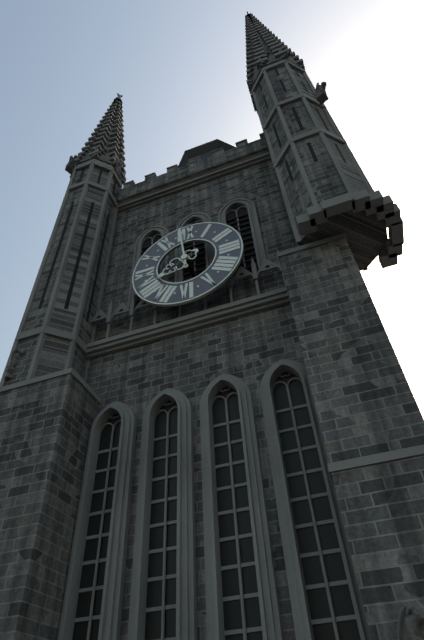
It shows 7,59
